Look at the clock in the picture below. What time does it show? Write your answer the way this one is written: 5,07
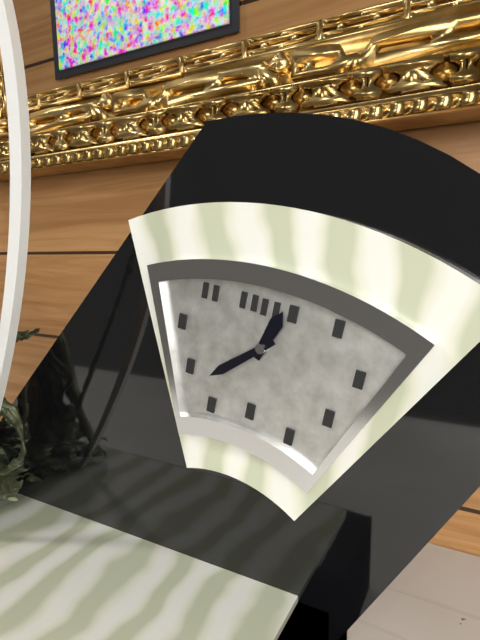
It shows 12,38
